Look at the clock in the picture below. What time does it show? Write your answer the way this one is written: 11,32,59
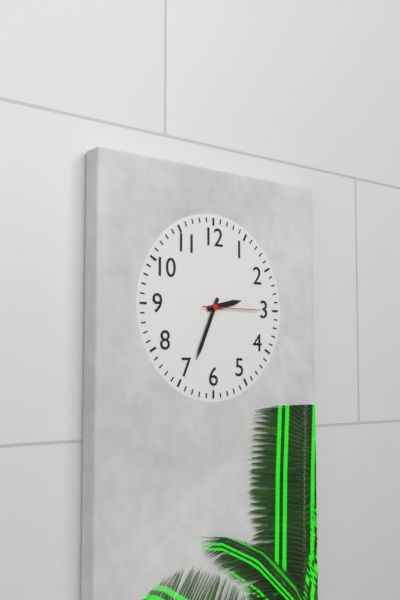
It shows 2,34,15
